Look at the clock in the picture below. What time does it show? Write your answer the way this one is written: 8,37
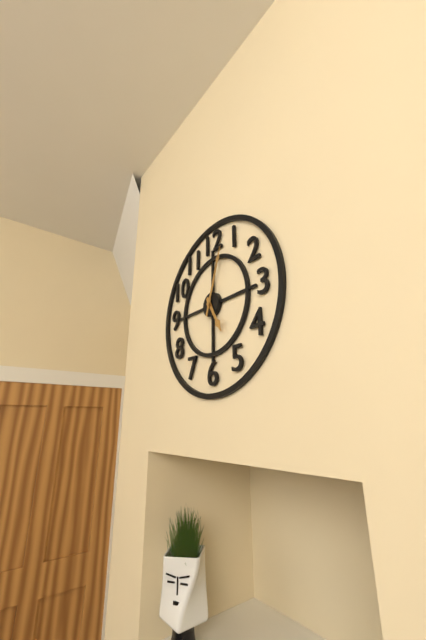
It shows 5,03
